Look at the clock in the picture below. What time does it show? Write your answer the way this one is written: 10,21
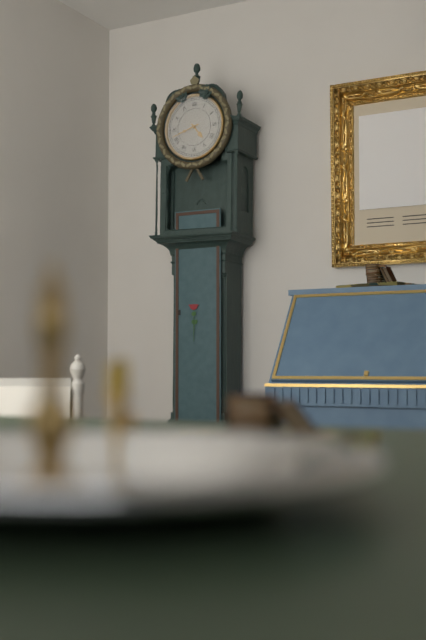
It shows 4,42
